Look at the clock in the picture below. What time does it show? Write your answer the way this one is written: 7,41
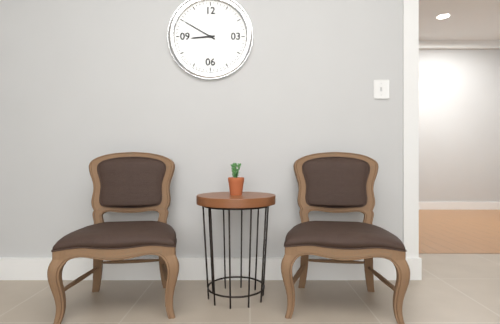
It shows 8,50
